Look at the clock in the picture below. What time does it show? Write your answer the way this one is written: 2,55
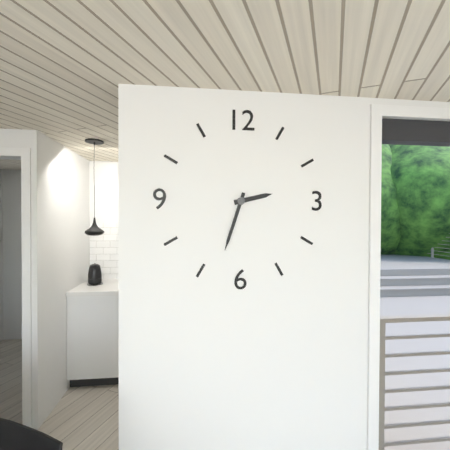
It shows 2,33
